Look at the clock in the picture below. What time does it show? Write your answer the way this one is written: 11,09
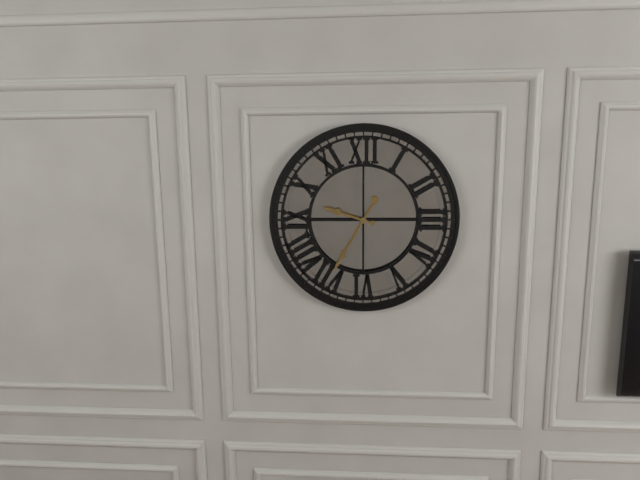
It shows 9,35
